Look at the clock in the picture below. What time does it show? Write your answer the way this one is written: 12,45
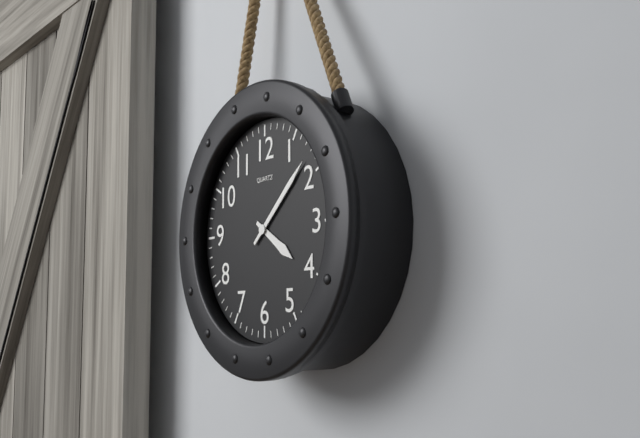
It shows 4,08
